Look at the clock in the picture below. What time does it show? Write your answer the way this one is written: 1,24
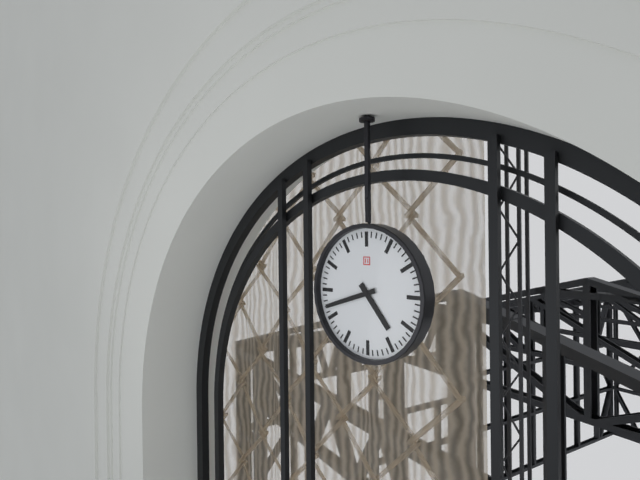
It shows 4,42
